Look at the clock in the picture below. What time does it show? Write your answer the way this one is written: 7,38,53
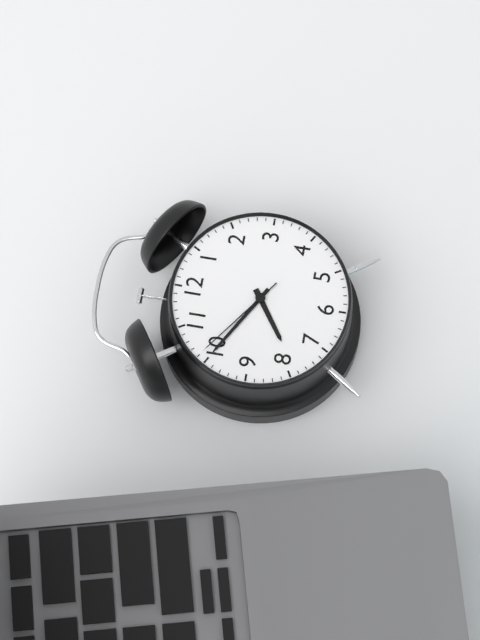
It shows 7,50,51
